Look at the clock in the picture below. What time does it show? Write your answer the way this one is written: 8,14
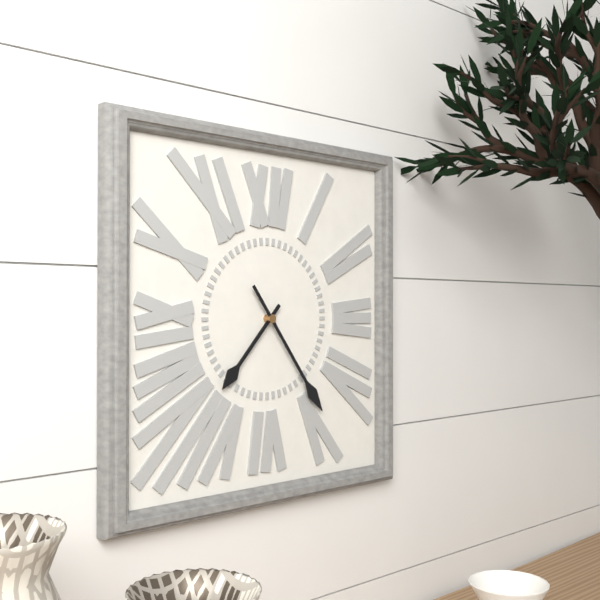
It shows 7,24
